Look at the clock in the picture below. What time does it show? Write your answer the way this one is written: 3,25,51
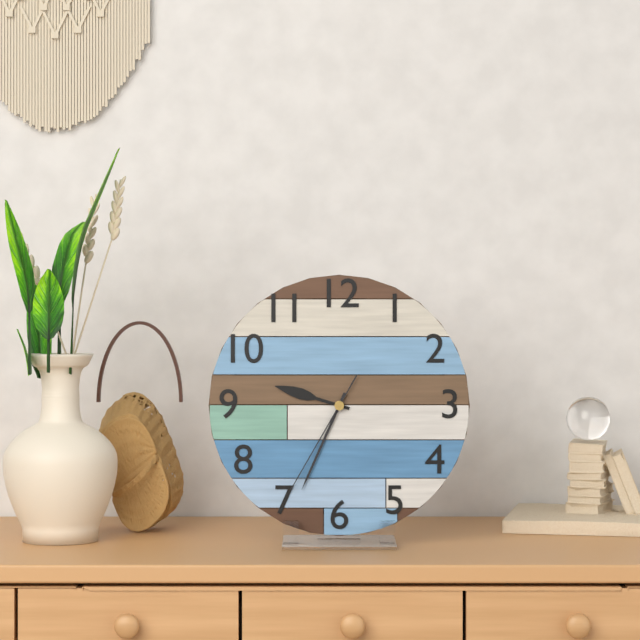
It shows 9,34,35
